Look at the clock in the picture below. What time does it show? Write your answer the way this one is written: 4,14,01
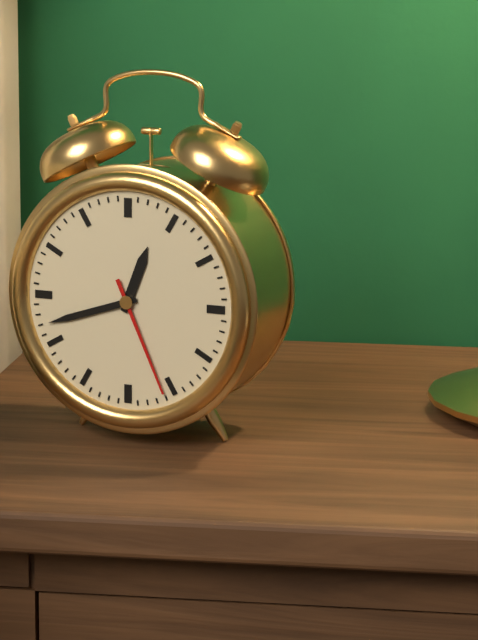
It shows 12,42,26
